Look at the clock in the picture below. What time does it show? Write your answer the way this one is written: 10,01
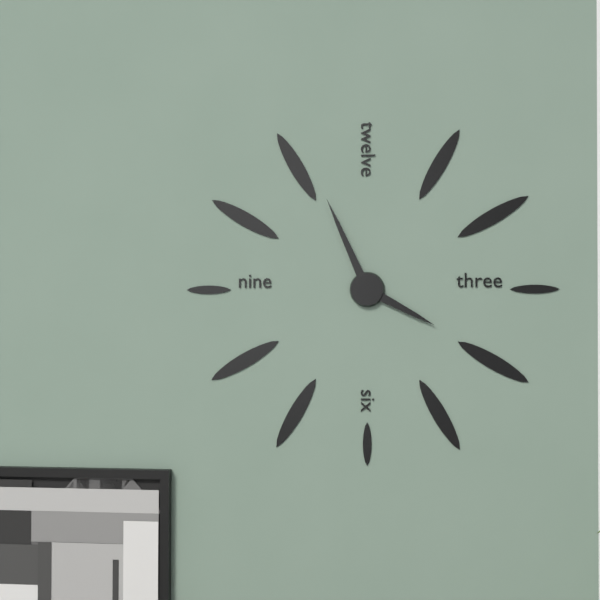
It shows 3,56
